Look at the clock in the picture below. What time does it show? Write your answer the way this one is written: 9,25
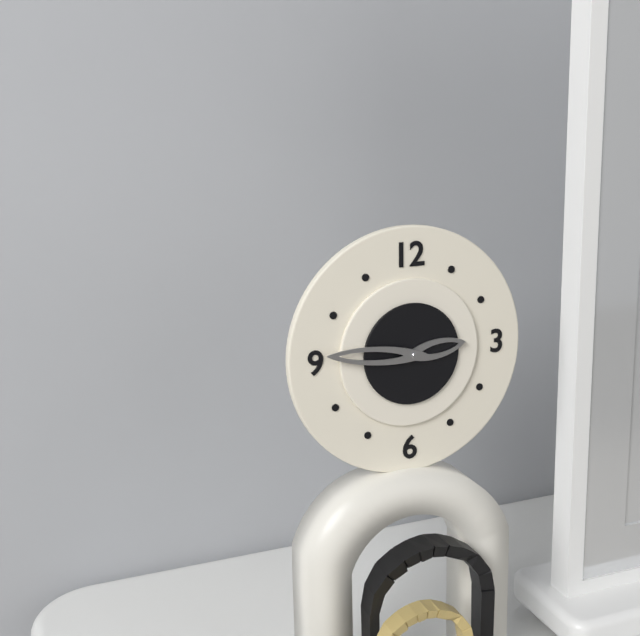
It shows 2,46
